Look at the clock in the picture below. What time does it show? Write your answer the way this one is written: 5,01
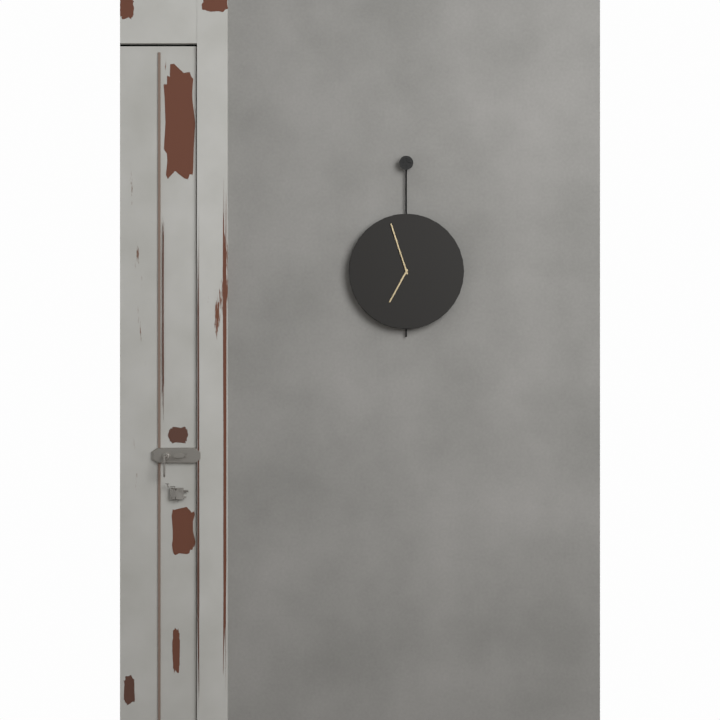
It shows 6,57
